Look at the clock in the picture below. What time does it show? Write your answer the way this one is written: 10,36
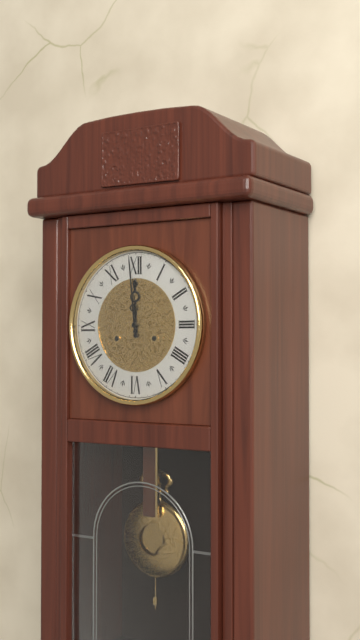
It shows 11,59
